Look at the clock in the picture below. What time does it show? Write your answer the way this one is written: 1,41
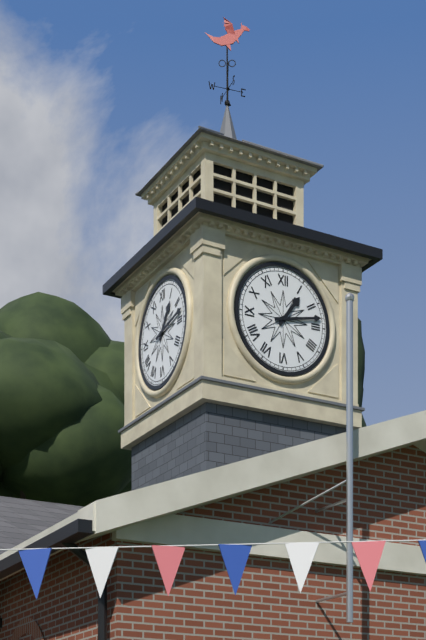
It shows 1,13
